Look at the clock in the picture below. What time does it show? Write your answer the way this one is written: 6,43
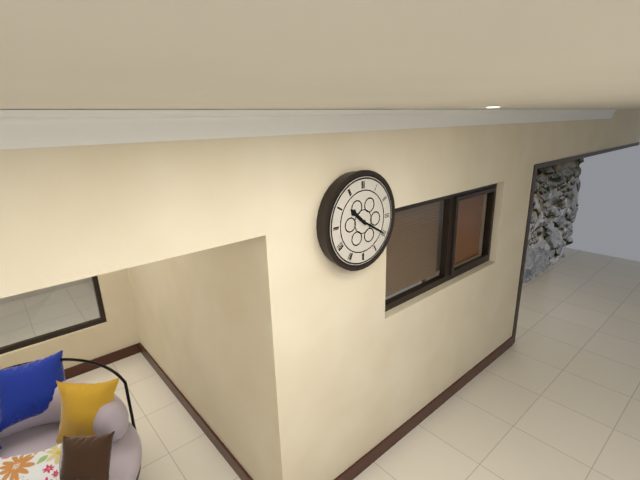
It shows 10,20
